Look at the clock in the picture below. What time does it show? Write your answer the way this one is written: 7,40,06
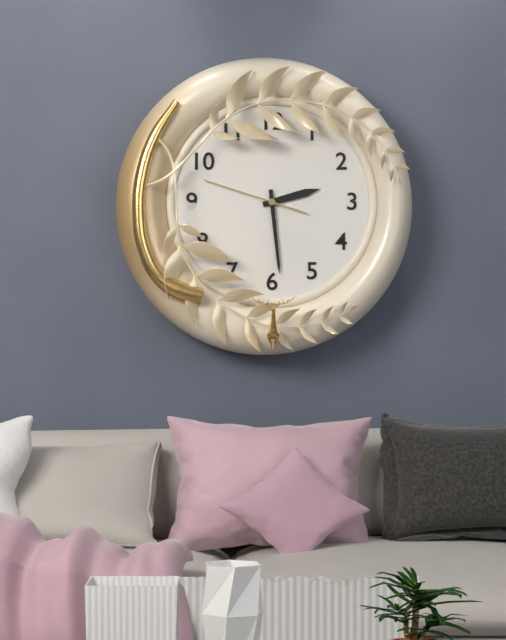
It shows 2,29,48
